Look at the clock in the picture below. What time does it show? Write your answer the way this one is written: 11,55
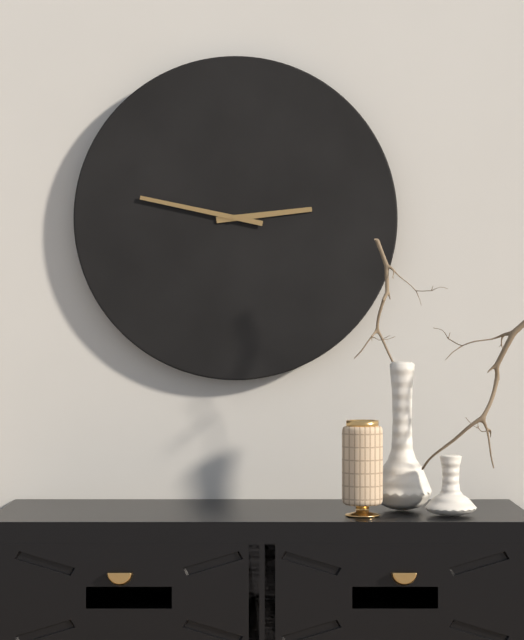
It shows 2,47
